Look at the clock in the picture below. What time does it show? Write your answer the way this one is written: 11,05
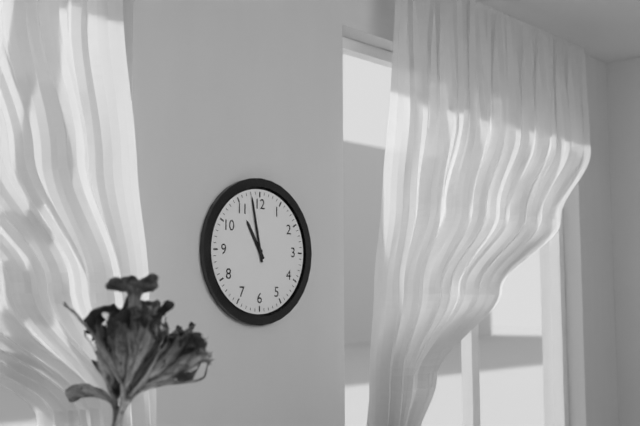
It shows 10,58
